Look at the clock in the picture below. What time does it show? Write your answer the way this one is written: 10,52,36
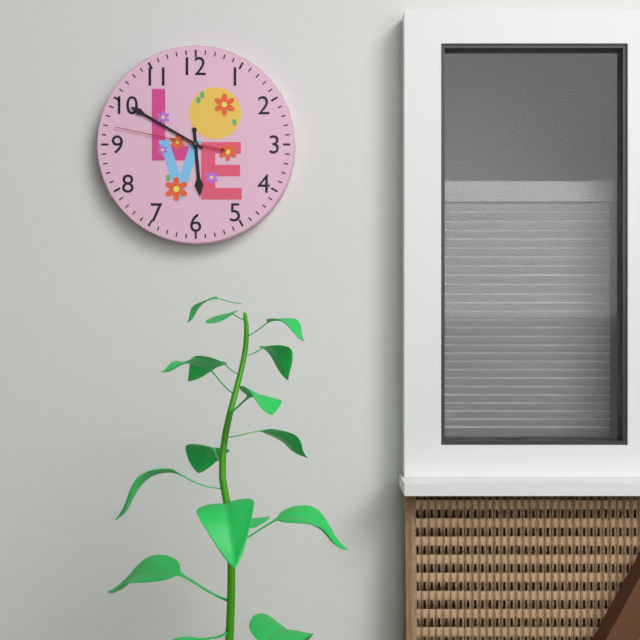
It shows 5,50,47
